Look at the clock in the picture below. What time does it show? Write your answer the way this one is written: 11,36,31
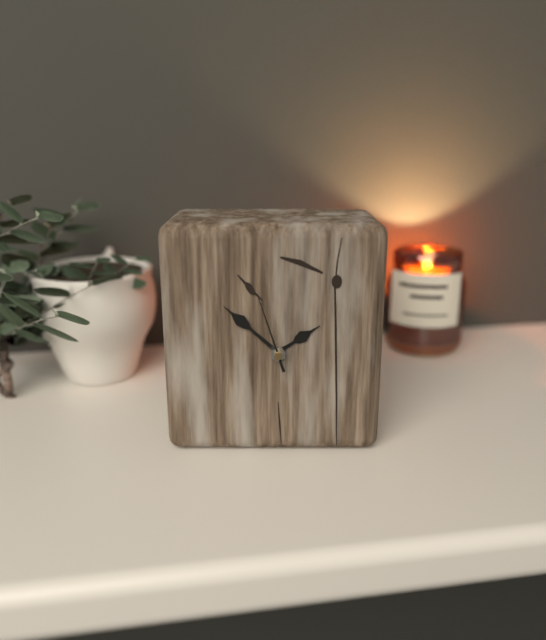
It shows 1,52,57
